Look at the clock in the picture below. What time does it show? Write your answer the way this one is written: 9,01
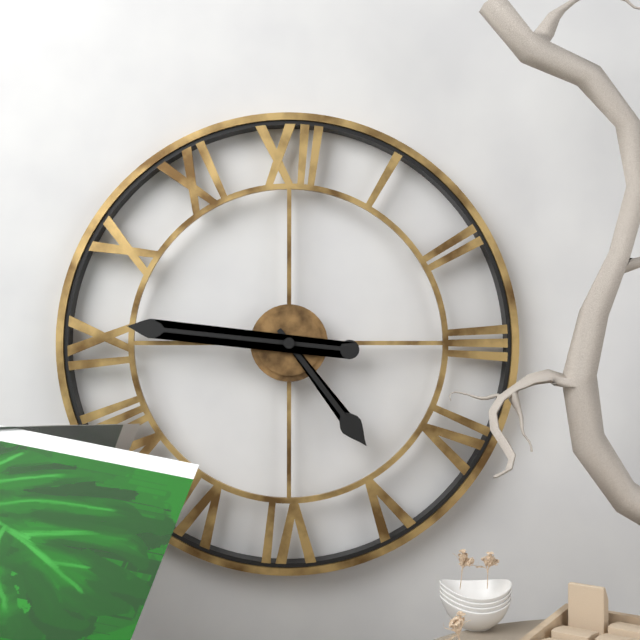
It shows 4,46
